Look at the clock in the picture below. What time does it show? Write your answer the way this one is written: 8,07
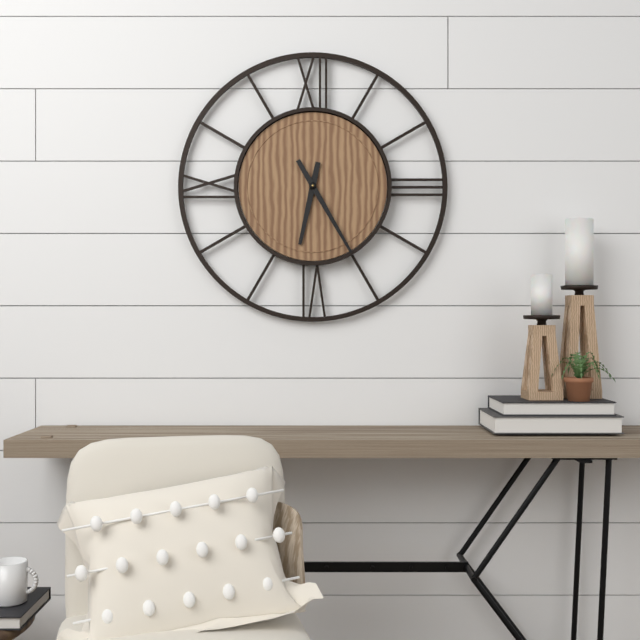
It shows 6,25
